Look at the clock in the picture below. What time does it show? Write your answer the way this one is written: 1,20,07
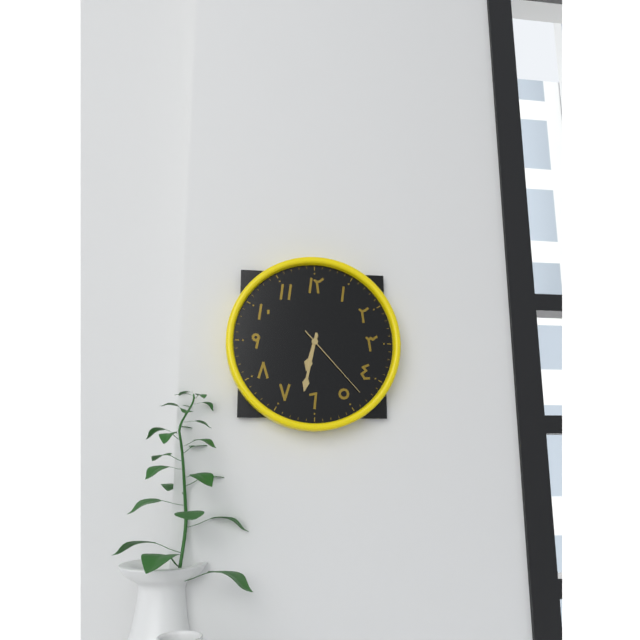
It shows 6,32,23
